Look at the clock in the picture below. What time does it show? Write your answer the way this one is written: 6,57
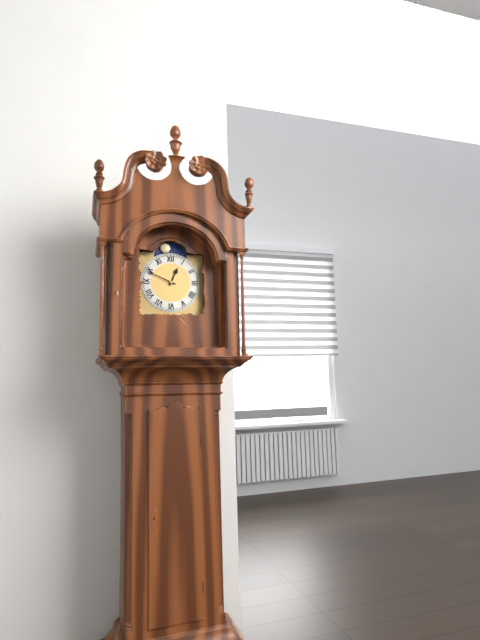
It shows 12,49
